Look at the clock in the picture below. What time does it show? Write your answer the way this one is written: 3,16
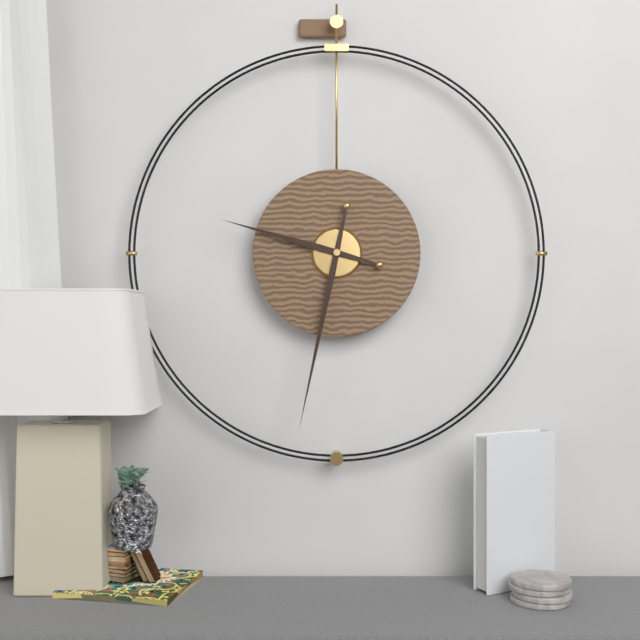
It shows 9,32
